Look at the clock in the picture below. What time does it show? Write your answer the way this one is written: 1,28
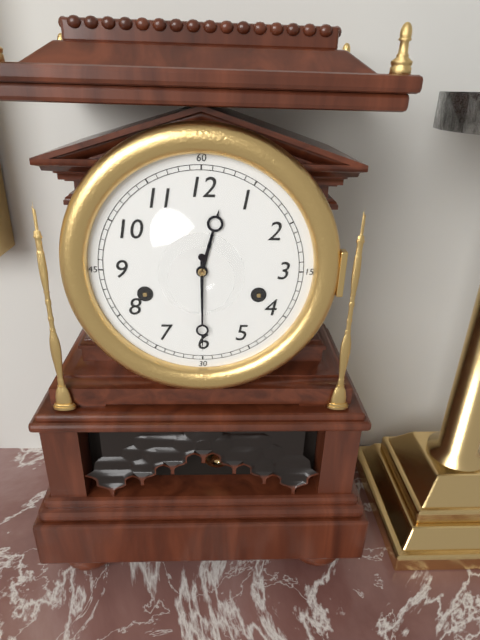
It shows 12,30
